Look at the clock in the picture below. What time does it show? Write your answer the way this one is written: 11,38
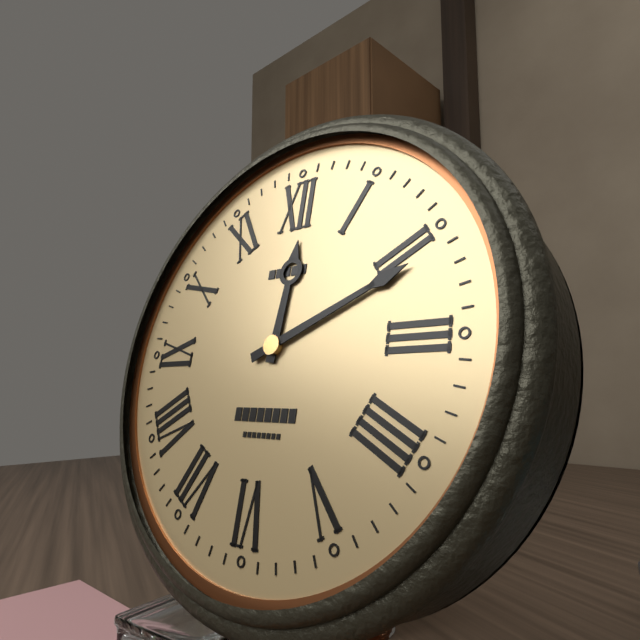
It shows 12,11
